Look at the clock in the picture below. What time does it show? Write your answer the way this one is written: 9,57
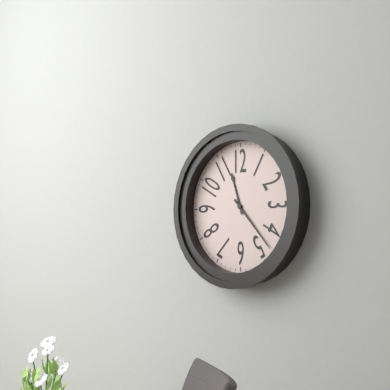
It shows 11,23
